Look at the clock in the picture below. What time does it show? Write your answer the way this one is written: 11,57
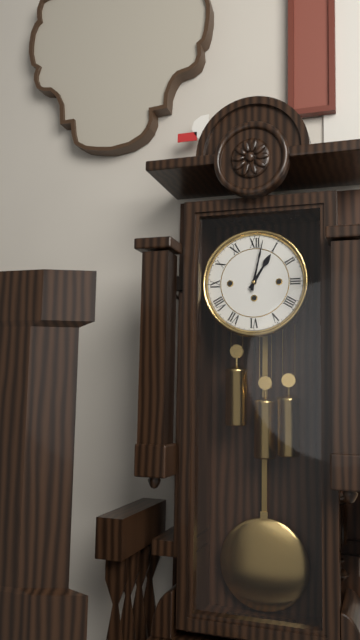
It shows 1,02
